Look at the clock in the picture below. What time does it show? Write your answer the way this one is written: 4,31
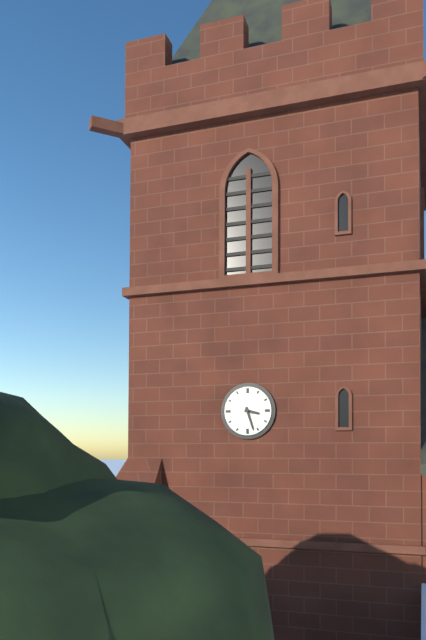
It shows 3,27
